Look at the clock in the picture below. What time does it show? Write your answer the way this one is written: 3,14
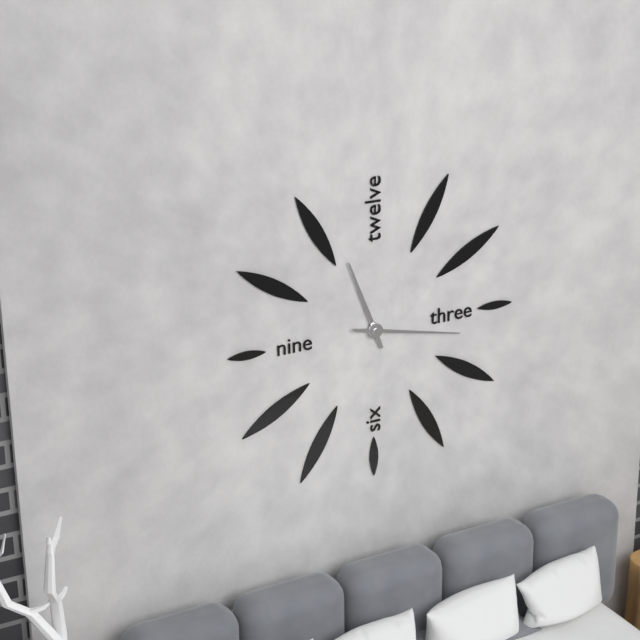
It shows 11,17
